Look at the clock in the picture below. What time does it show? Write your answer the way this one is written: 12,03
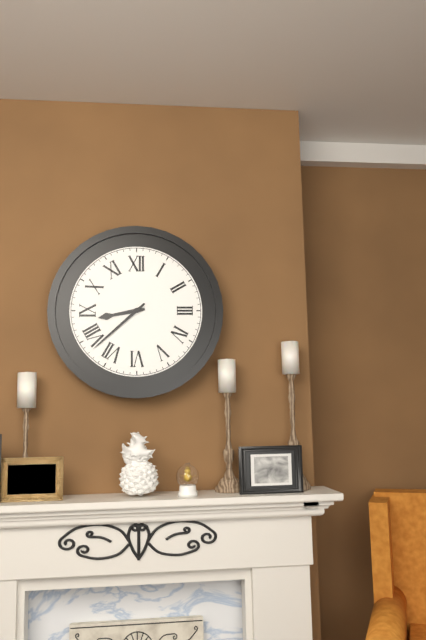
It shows 8,38
